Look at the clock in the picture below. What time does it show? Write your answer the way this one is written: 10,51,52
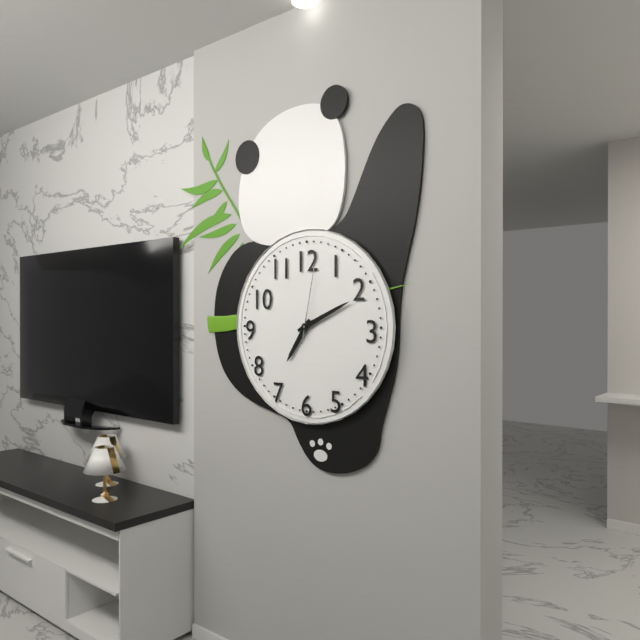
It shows 7,11,02
